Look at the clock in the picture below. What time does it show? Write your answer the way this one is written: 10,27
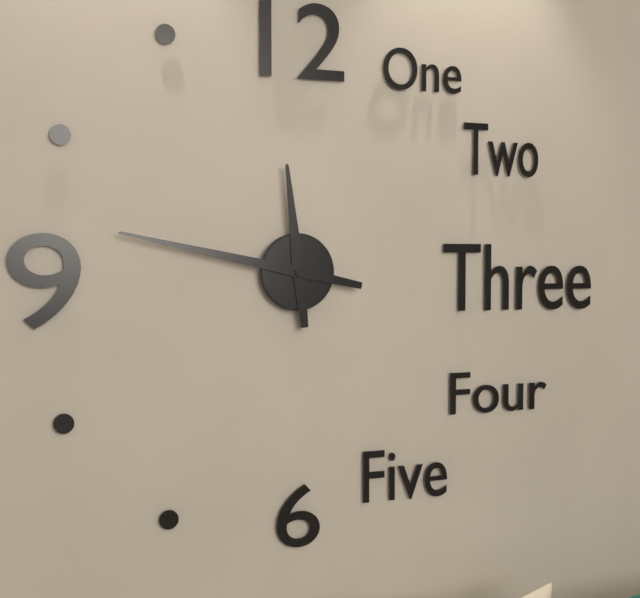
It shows 11,47
